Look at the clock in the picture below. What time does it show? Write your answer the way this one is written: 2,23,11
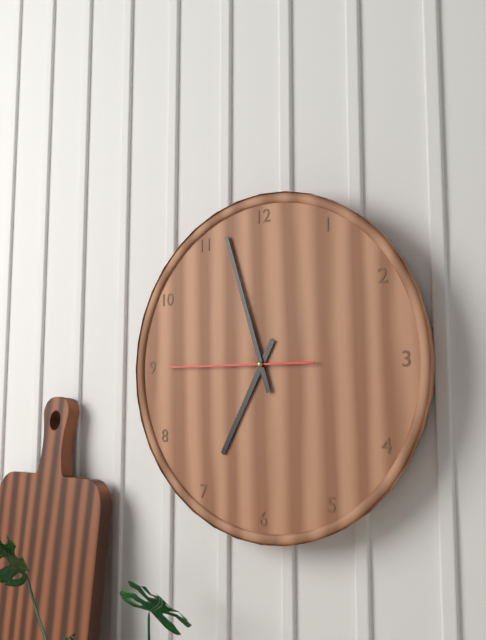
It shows 6,57,45
